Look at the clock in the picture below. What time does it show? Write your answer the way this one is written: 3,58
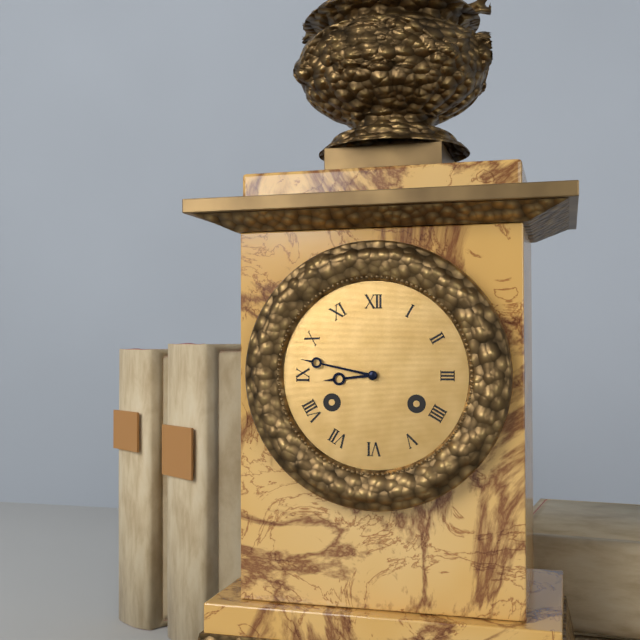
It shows 8,47
